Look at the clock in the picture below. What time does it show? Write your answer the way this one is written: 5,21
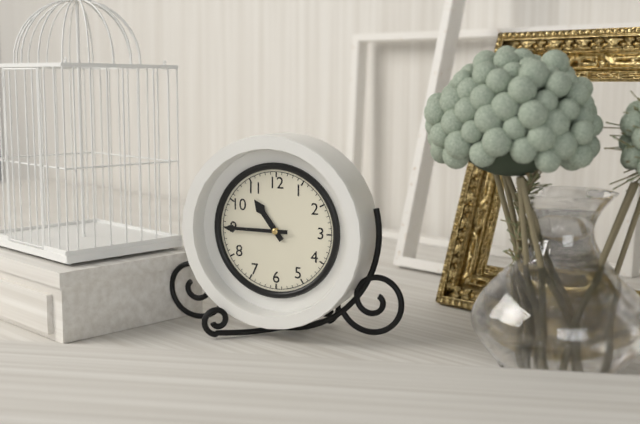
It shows 10,45
